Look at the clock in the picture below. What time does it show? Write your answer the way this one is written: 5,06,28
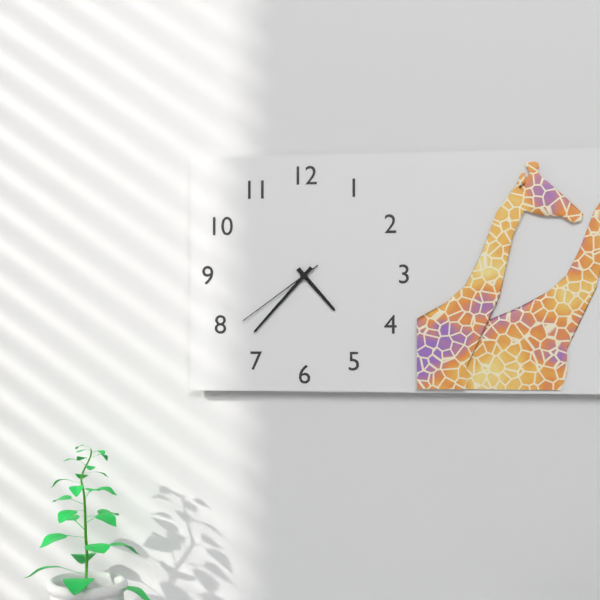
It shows 4,37,39
